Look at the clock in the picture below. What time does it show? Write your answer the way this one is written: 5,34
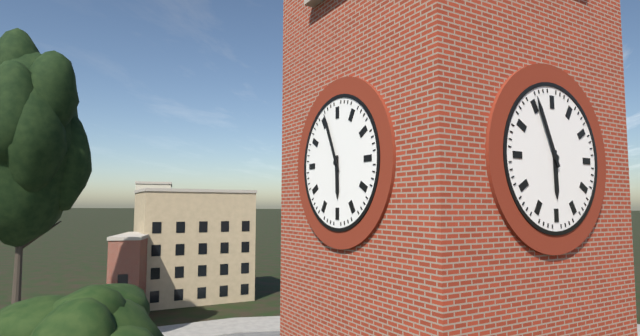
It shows 5,56
